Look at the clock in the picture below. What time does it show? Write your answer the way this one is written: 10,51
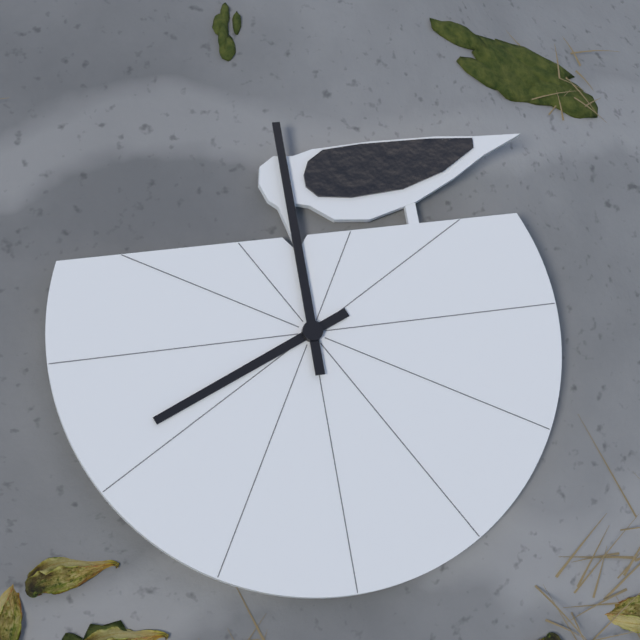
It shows 11,15
